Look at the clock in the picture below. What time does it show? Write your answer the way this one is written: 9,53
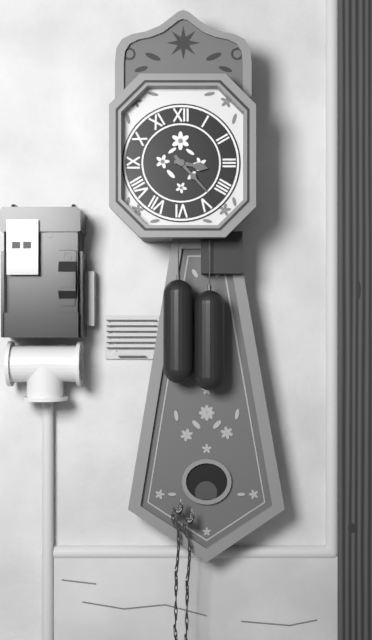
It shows 3,23
